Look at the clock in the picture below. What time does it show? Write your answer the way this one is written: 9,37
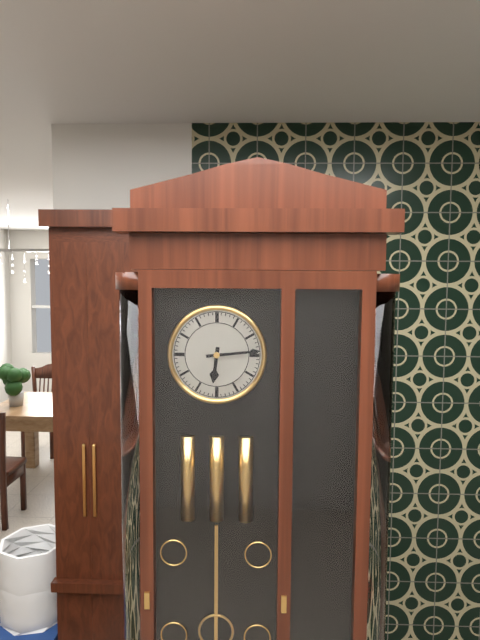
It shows 6,14
